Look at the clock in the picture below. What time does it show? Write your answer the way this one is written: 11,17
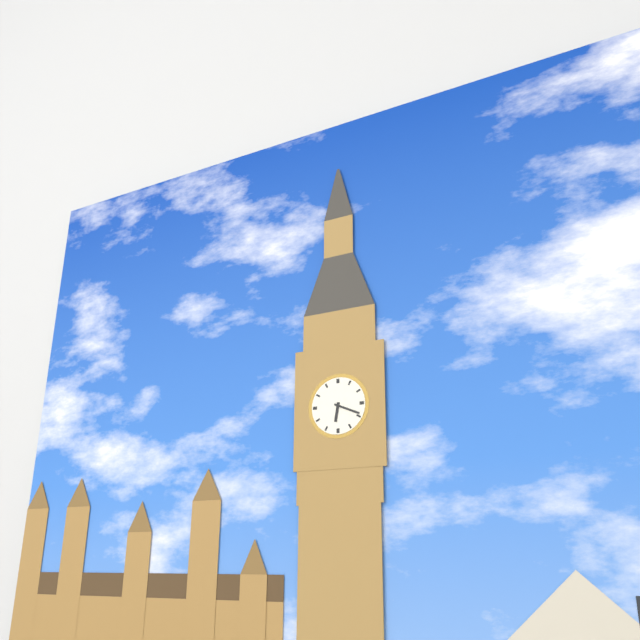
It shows 6,19
